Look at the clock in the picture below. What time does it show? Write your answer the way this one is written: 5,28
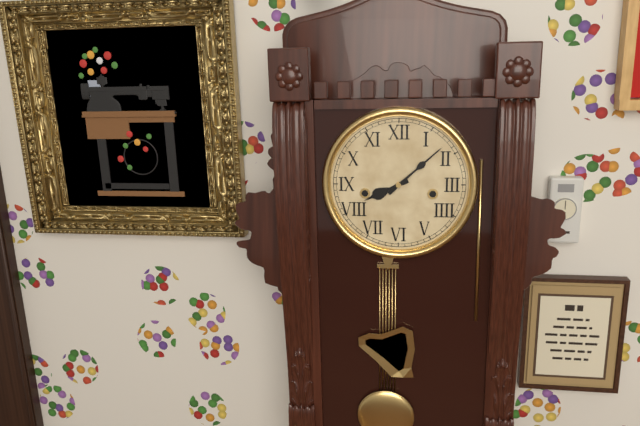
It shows 8,08
